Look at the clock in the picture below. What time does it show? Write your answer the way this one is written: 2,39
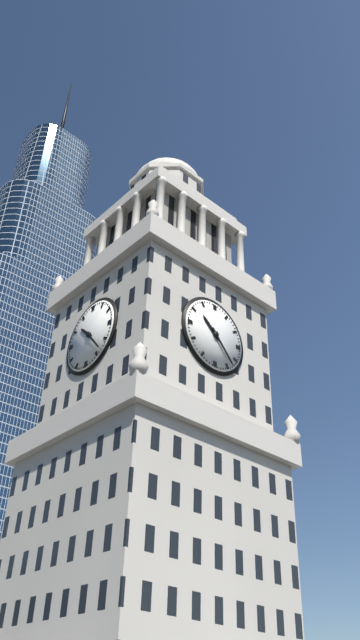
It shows 10,23
